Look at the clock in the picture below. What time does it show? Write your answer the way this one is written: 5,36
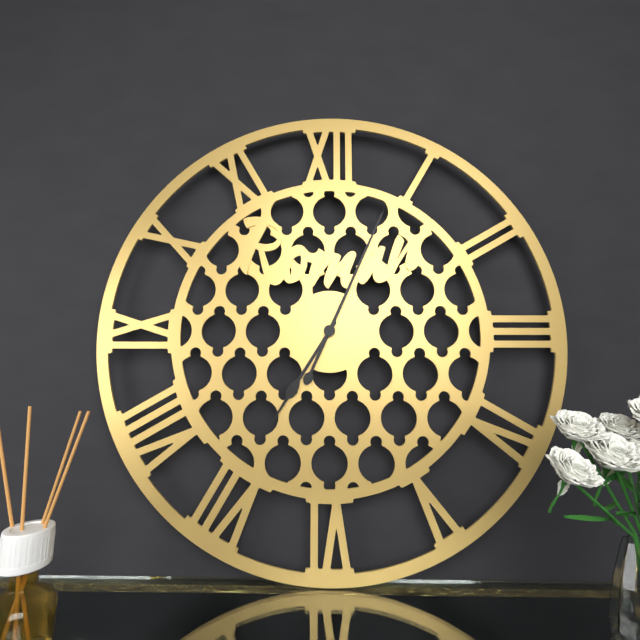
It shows 7,04
